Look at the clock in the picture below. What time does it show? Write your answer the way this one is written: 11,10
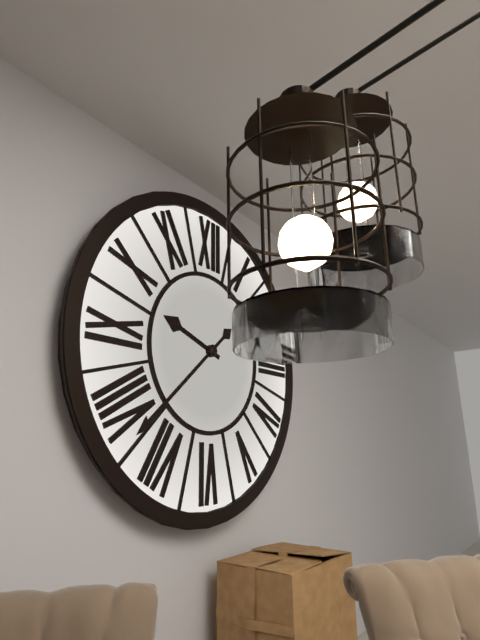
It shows 9,38
